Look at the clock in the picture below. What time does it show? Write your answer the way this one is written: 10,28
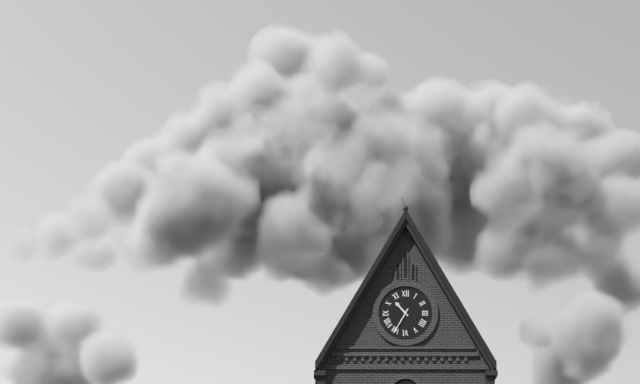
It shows 10,35
